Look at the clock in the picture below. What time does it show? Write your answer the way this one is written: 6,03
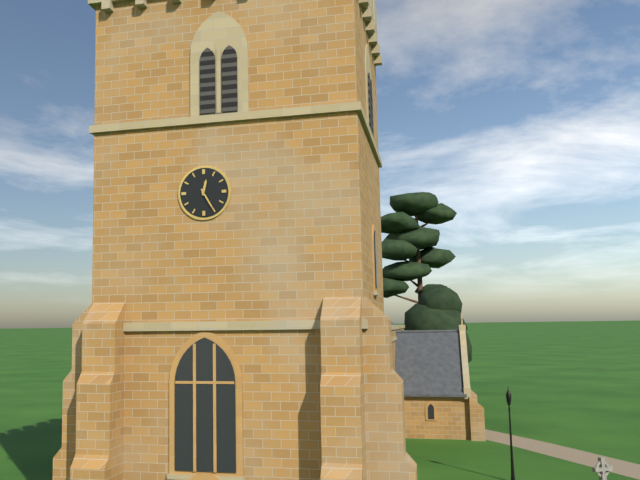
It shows 12,25
